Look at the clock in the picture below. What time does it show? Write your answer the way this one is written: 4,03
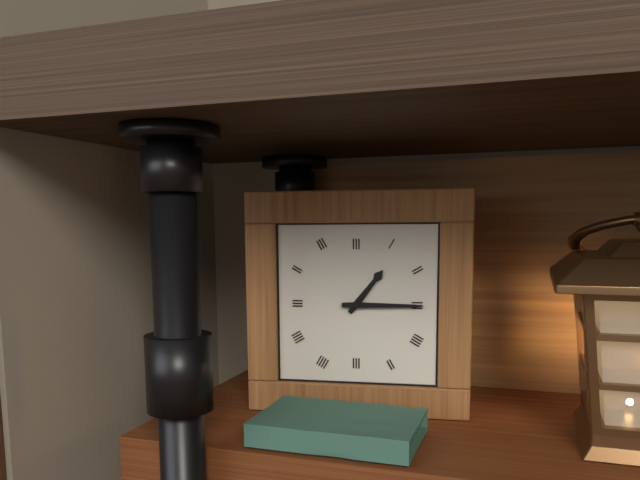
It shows 1,15
